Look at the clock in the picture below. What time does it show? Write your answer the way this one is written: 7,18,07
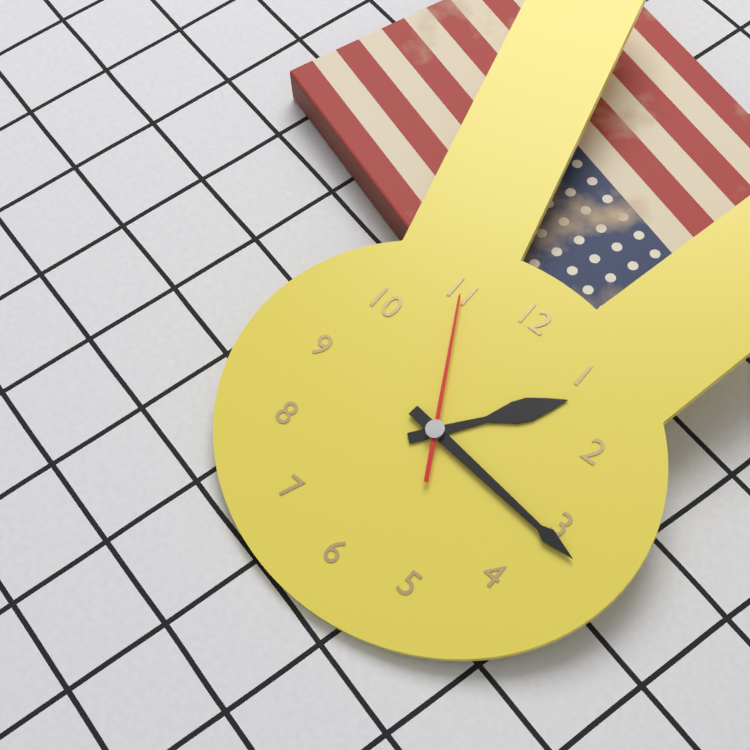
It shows 1,16,55
